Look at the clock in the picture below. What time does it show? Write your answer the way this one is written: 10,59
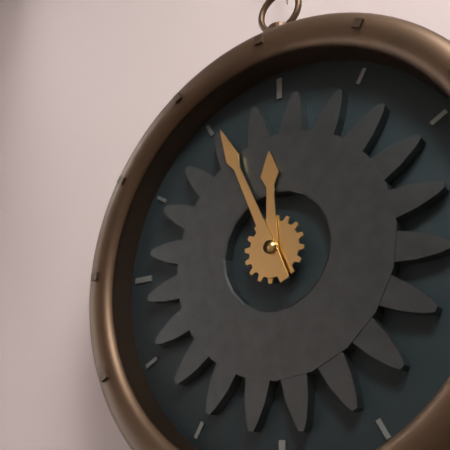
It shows 11,56
